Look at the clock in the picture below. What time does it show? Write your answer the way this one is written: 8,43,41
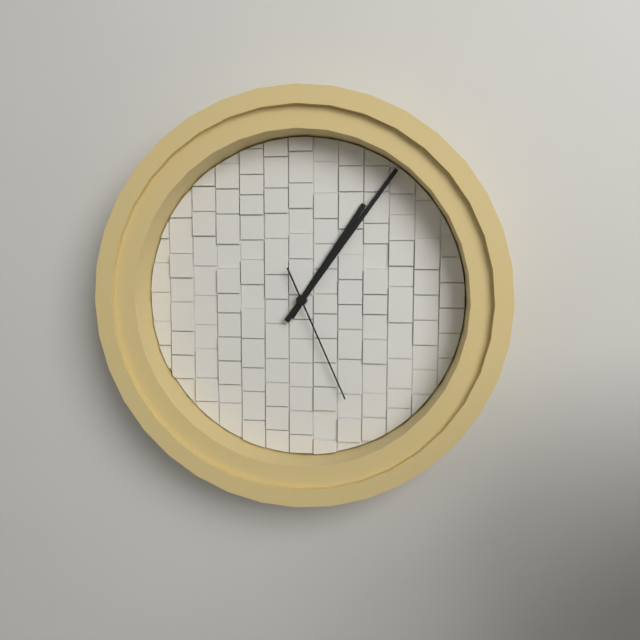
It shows 1,06,26
